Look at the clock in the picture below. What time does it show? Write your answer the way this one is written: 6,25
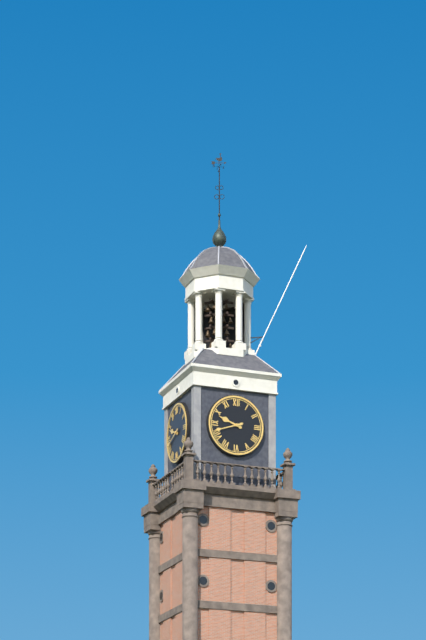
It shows 9,42
